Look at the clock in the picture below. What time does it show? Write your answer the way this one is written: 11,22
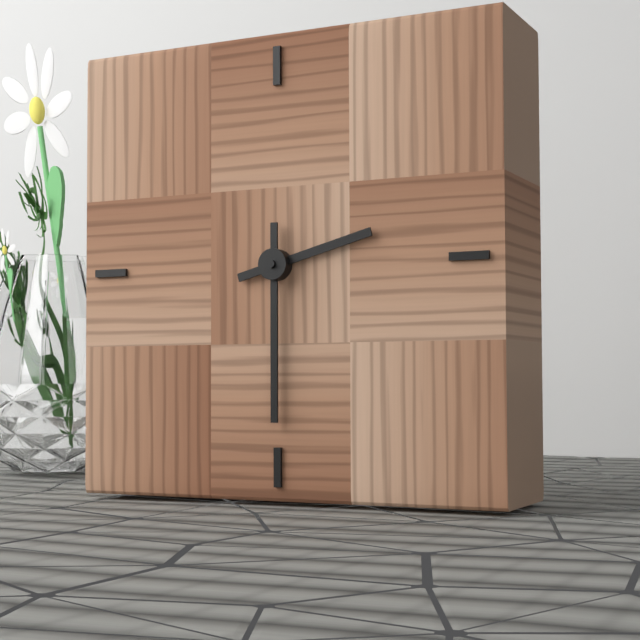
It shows 2,30
